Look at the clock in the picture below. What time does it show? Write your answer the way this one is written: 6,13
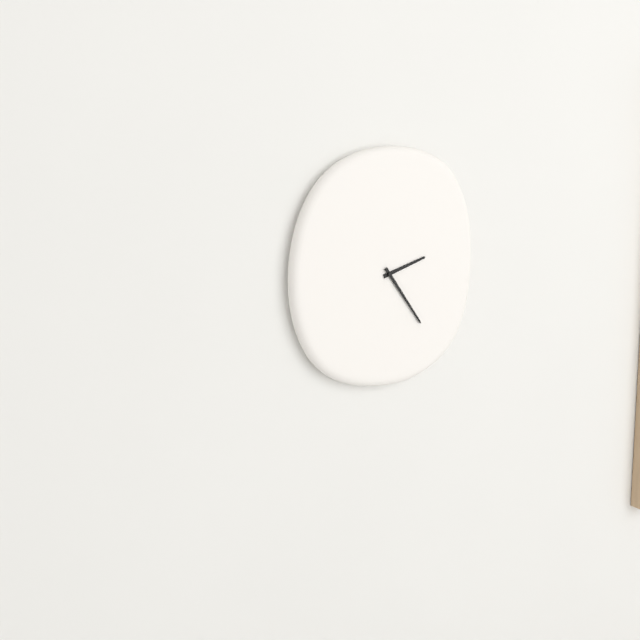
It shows 2,24
